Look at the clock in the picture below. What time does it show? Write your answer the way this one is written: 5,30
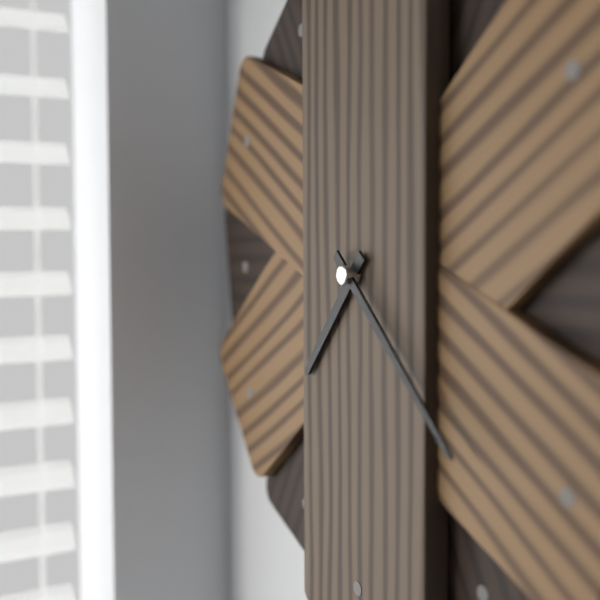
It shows 7,22
